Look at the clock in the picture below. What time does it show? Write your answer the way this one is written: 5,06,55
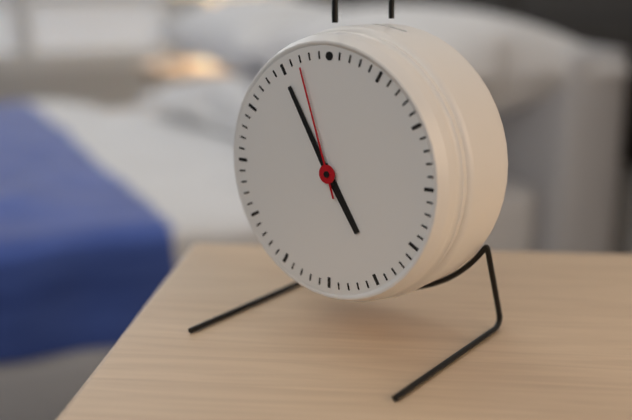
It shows 4,55,57
